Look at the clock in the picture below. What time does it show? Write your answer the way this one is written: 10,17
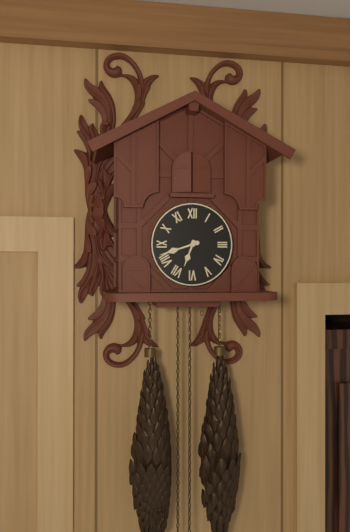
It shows 6,42
